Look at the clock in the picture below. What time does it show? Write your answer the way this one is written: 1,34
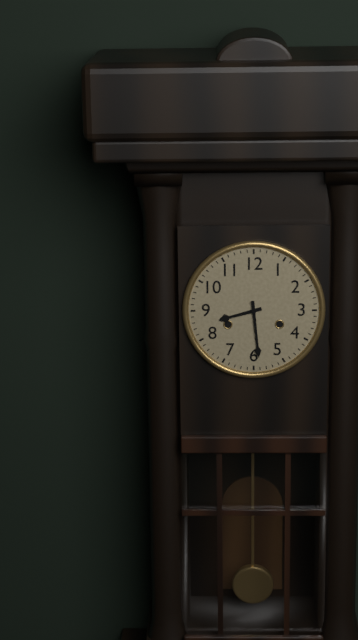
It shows 8,29
